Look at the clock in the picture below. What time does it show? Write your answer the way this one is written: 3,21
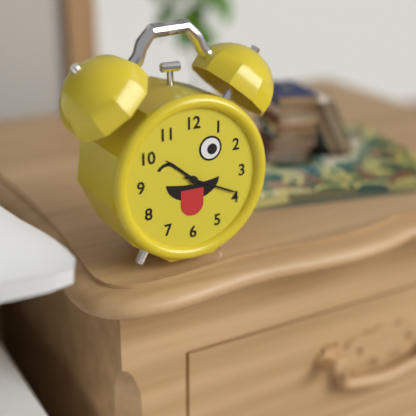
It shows 10,19
